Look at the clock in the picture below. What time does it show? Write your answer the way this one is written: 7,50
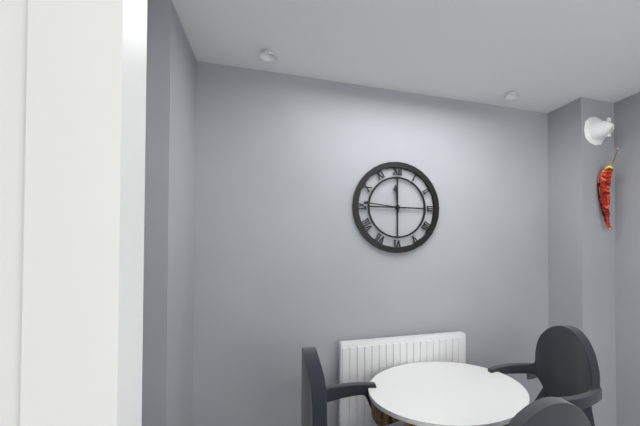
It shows 11,46
